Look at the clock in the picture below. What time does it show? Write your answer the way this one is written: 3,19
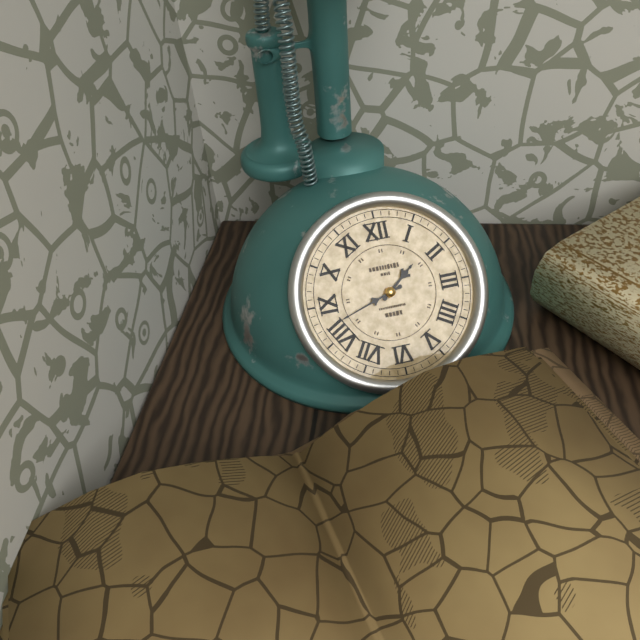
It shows 1,42
